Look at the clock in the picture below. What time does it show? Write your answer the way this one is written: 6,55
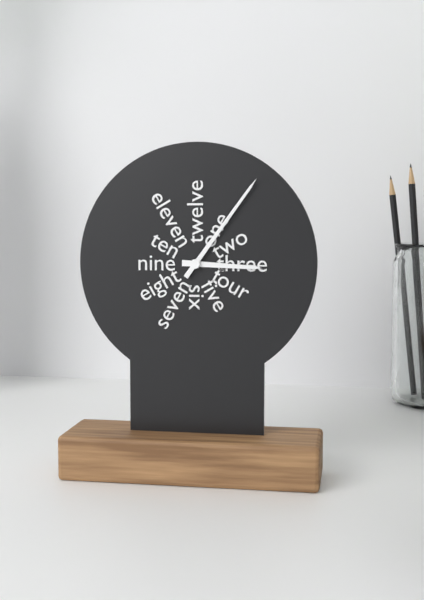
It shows 3,06
